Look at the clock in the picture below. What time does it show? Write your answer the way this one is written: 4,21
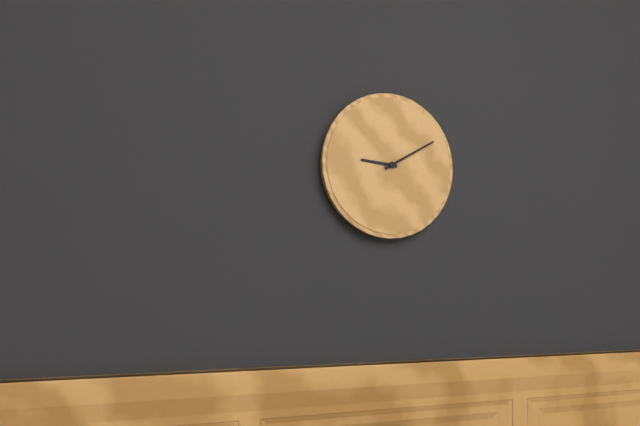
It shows 9,10
